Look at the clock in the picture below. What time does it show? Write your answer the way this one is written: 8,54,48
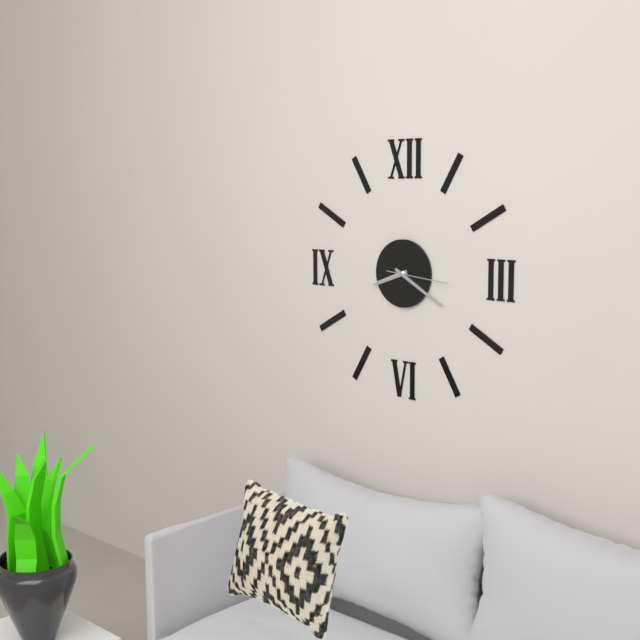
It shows 8,20,16
